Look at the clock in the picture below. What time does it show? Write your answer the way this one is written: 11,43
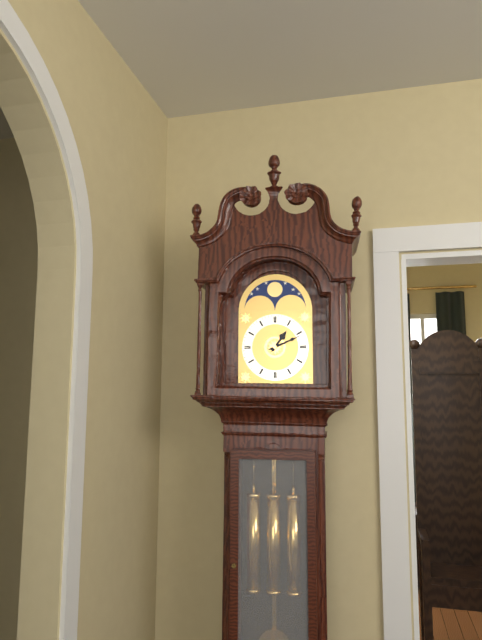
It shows 1,11
